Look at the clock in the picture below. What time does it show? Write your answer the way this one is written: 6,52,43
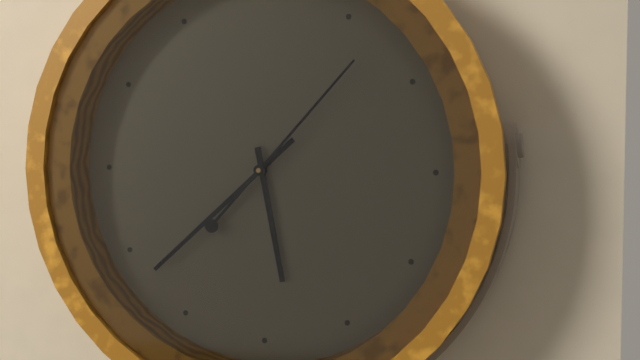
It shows 5,38,07
